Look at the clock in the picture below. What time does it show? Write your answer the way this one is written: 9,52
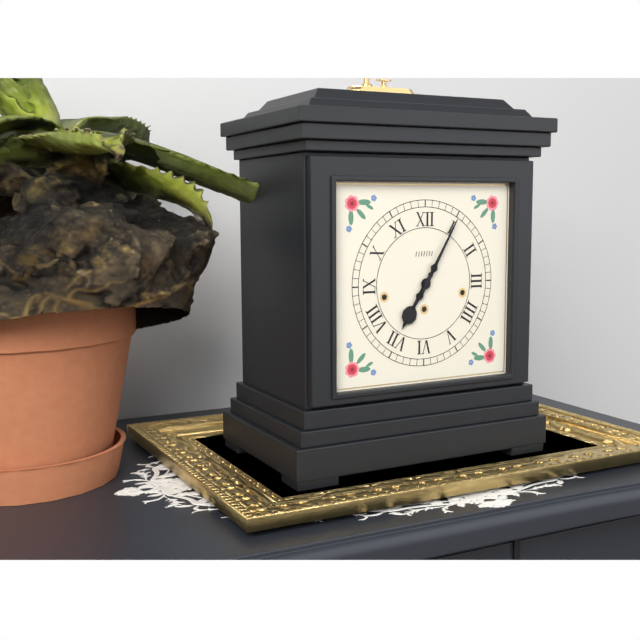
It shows 7,05
